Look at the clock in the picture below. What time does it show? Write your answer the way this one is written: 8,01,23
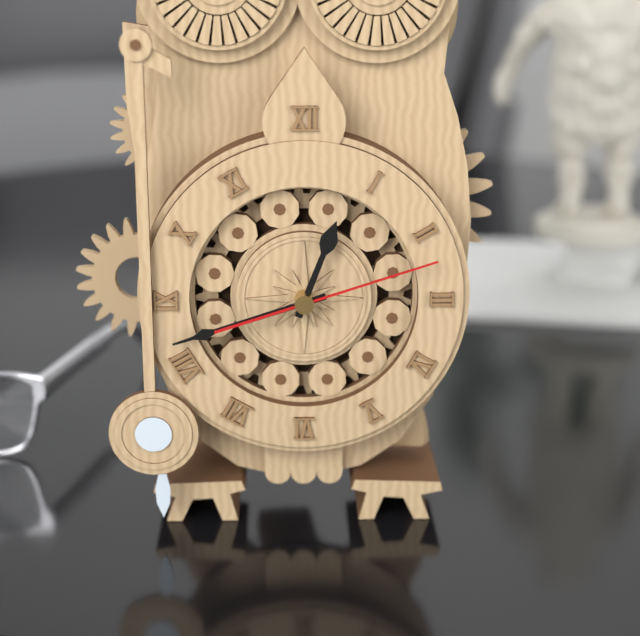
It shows 12,42,12
